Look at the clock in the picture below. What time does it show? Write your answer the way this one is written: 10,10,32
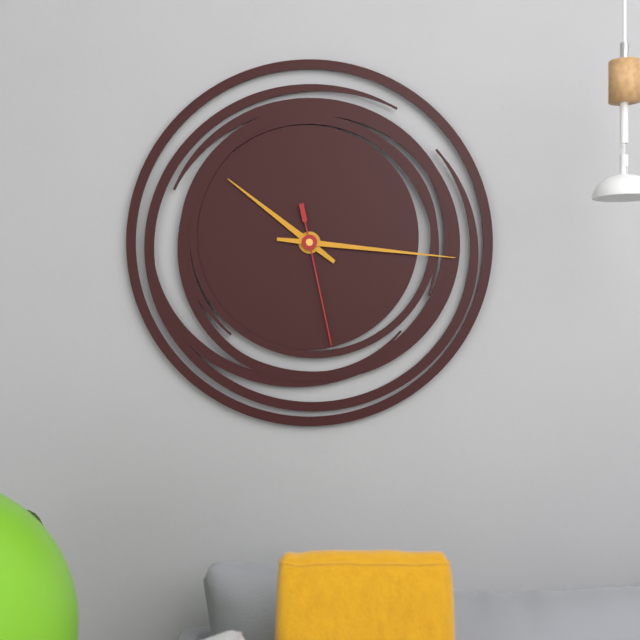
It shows 10,16,28
